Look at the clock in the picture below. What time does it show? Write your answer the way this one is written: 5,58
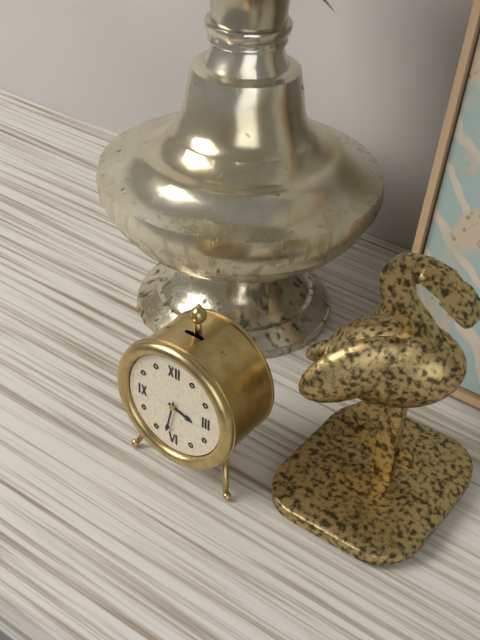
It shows 3,32
